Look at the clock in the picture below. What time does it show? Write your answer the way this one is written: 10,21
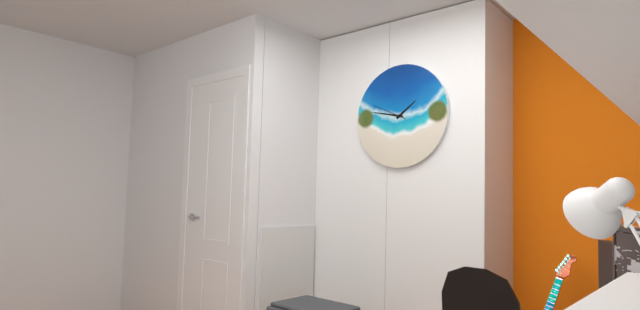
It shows 1,47
